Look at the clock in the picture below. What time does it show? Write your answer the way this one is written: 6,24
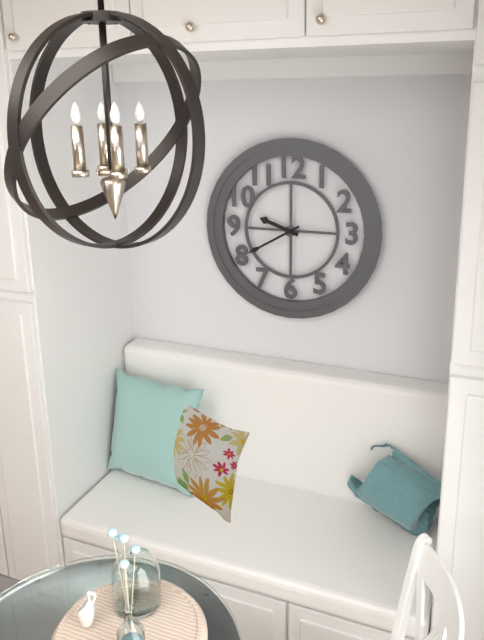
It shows 9,40
